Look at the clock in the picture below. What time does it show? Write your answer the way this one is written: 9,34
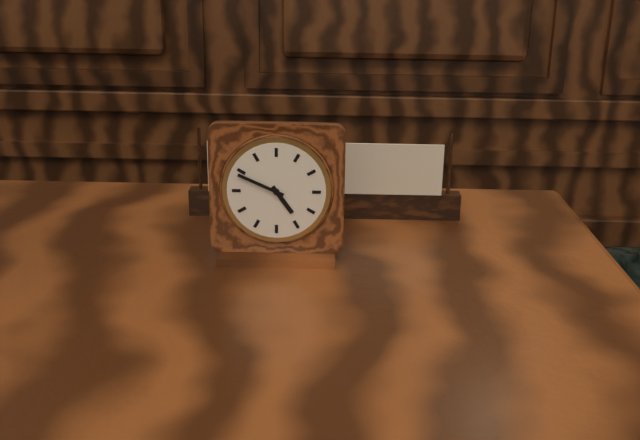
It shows 4,49
